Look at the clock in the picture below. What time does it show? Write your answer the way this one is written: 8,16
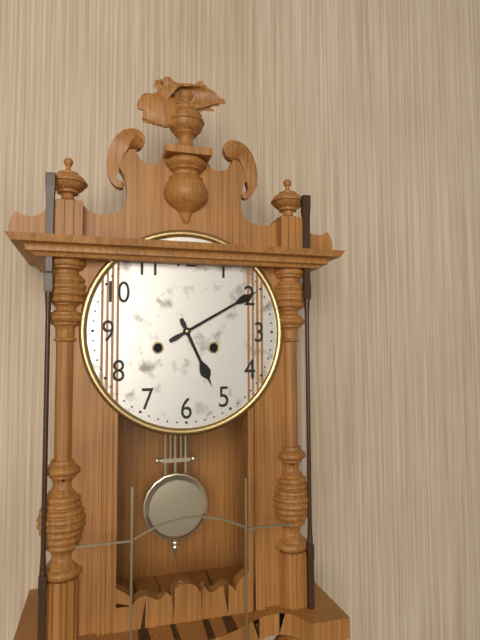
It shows 5,10
